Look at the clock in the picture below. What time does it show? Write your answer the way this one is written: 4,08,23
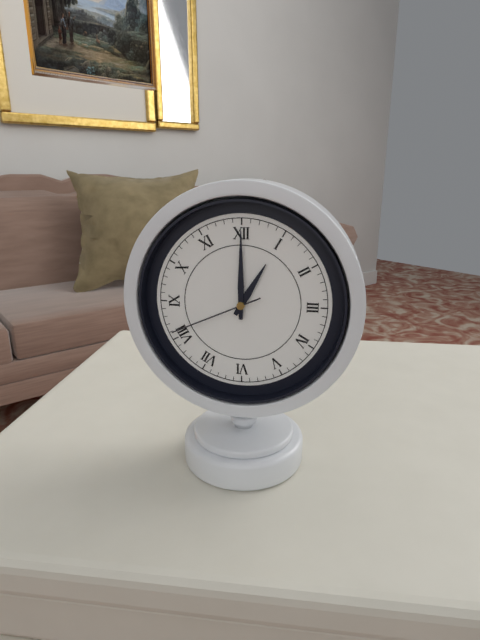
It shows 1,00,41
